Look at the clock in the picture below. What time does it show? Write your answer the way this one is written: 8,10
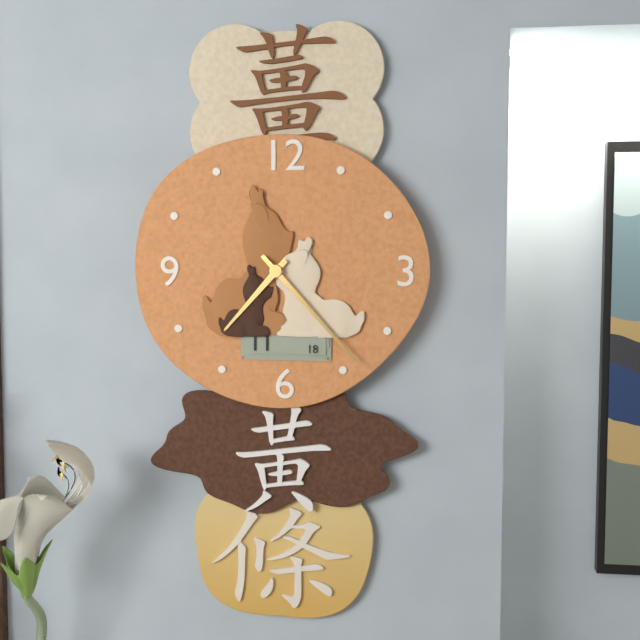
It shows 7,23
